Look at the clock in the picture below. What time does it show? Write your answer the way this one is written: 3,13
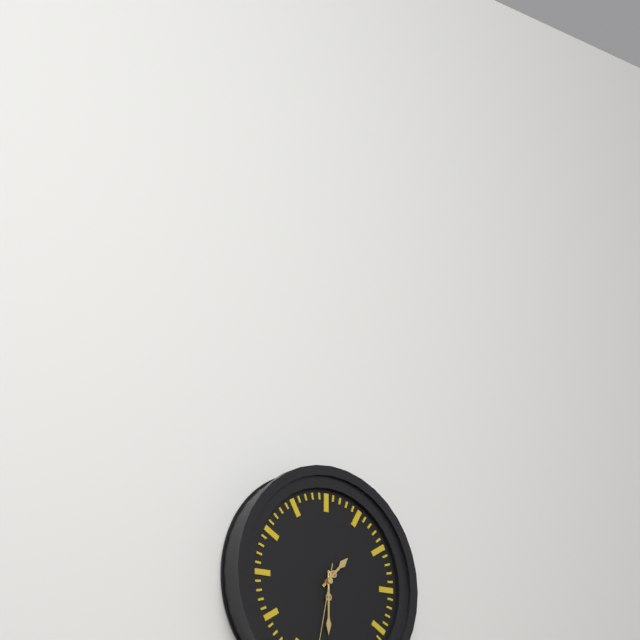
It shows 1,30
